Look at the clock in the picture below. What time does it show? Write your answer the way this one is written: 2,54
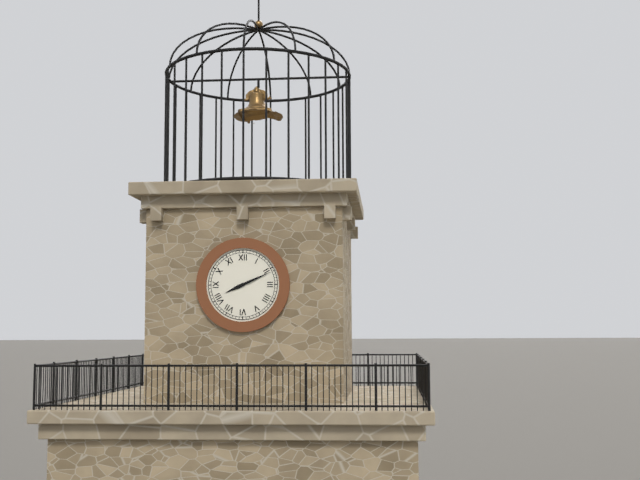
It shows 8,11
